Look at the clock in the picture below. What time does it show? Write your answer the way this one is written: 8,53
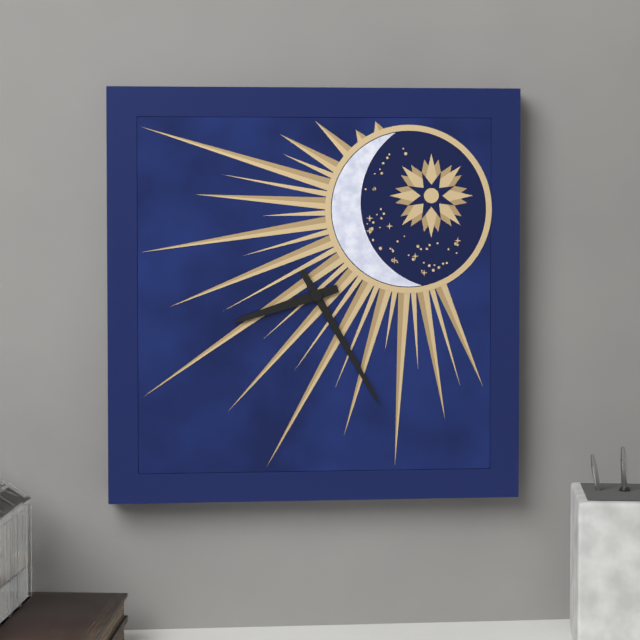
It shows 8,25
